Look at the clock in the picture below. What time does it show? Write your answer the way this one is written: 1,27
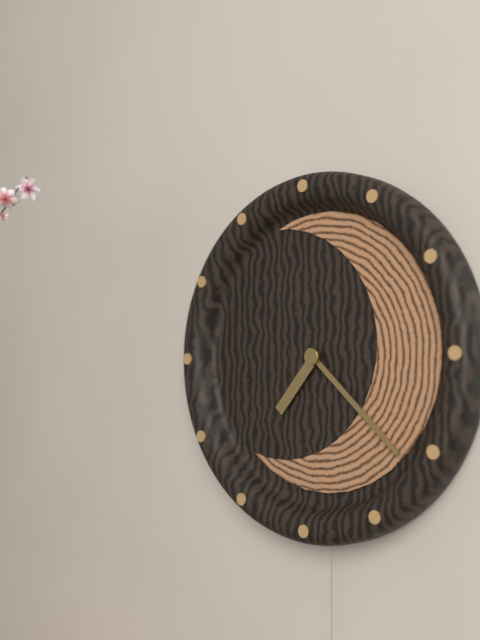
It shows 7,22
